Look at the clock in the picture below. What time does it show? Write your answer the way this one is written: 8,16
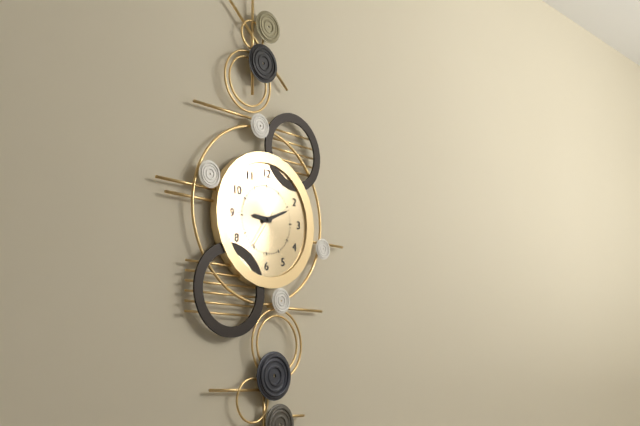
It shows 9,11
